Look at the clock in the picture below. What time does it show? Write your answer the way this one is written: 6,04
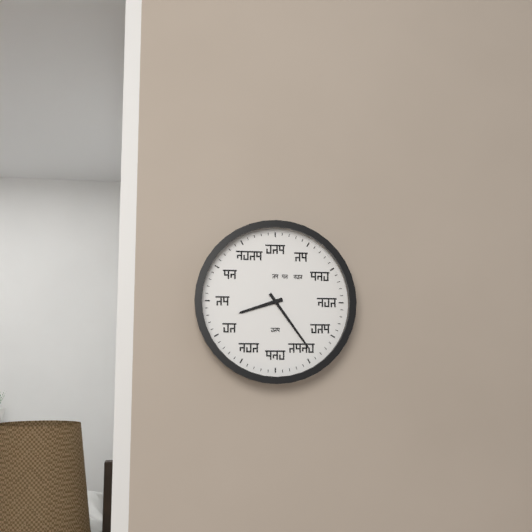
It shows 8,24
